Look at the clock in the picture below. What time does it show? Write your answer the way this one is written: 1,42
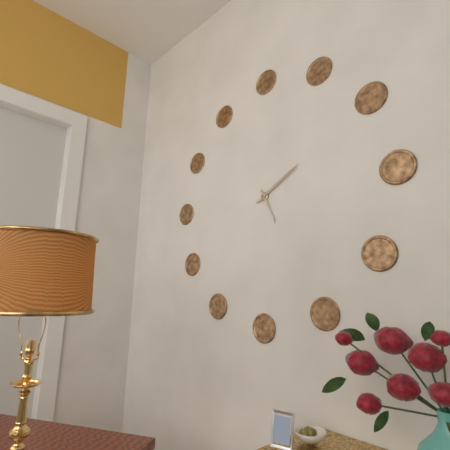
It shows 5,10
